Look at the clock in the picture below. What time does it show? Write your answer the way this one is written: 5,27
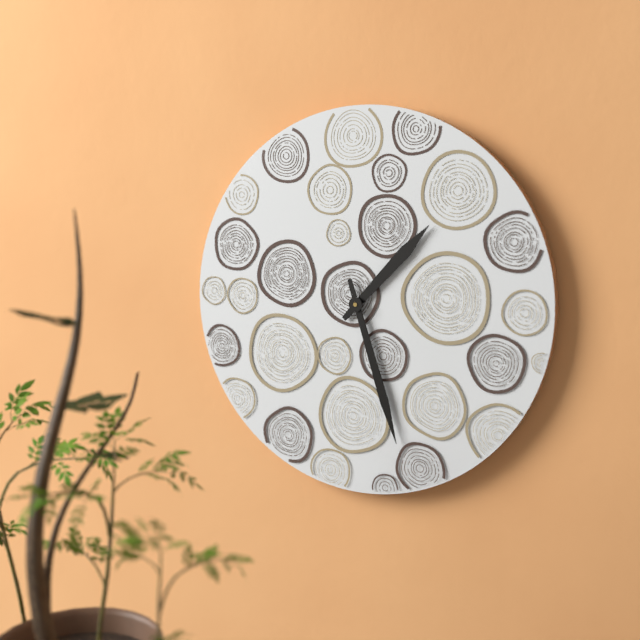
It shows 1,27
